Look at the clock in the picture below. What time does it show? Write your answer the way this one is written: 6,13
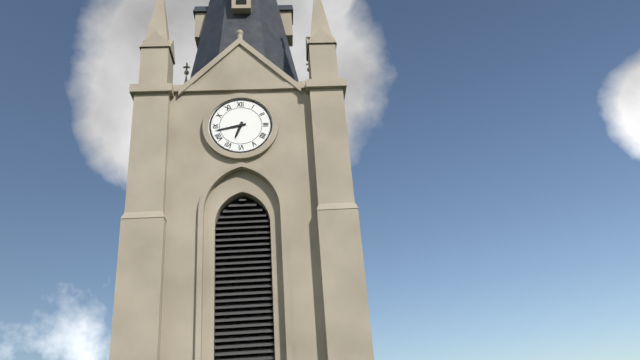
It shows 6,43
